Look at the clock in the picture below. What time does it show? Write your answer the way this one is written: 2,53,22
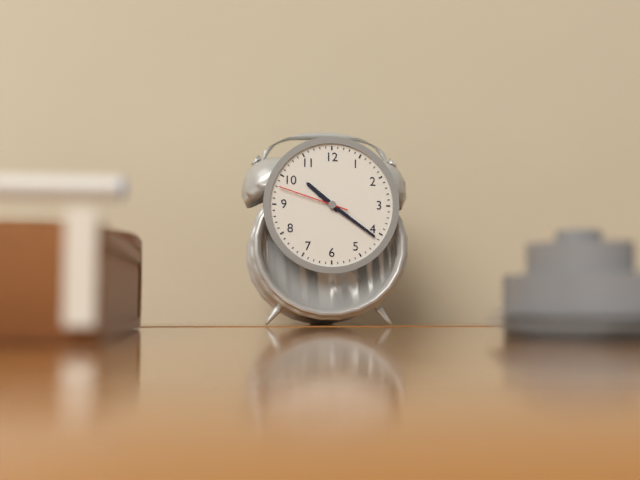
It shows 10,21,48
